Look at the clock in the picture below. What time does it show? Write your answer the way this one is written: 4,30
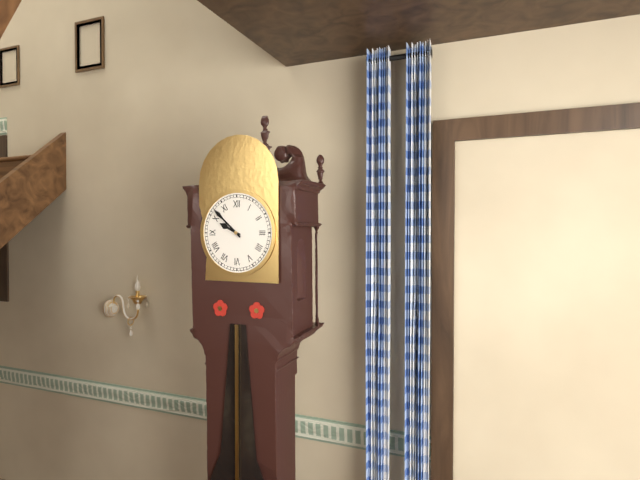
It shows 9,52
